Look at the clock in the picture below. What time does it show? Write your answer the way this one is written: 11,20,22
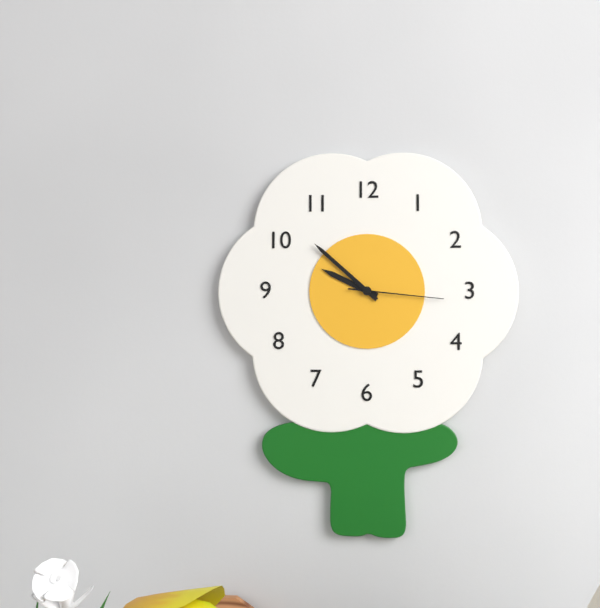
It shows 9,52,16
